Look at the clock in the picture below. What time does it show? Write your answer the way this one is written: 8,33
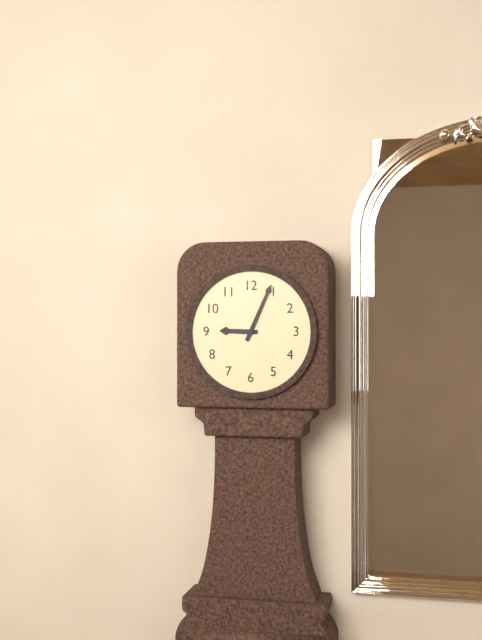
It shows 9,04
